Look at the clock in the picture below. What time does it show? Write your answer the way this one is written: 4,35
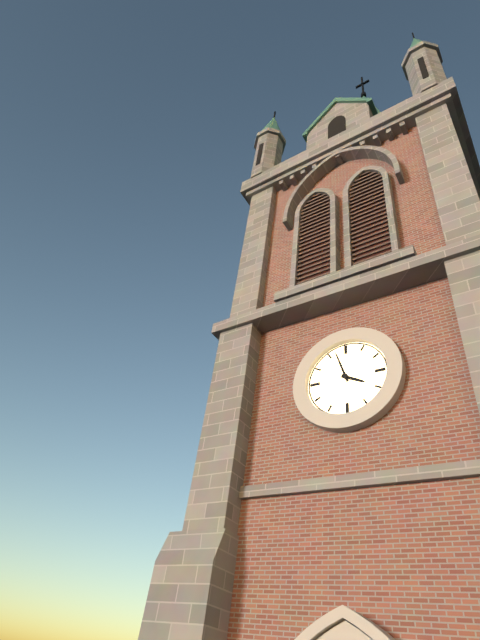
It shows 3,57
